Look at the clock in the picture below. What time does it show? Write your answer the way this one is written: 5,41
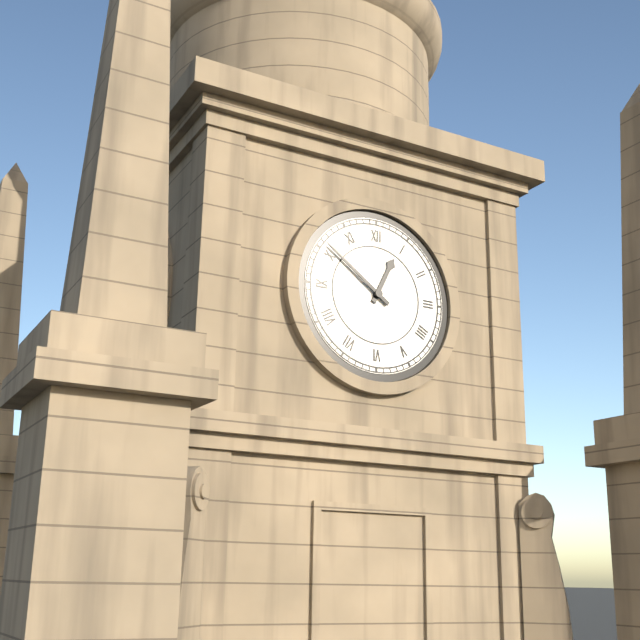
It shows 12,51
